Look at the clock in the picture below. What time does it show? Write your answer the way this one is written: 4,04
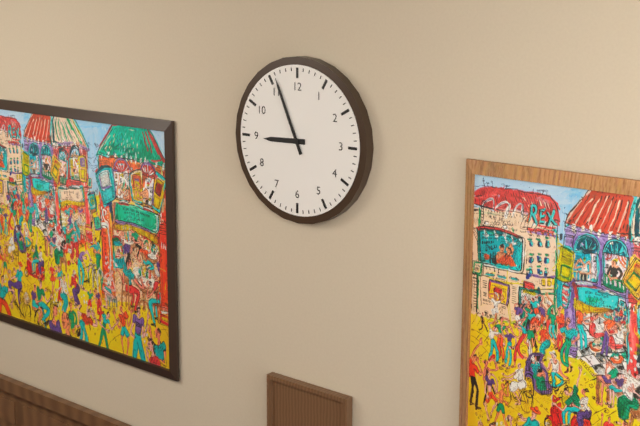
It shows 8,56
